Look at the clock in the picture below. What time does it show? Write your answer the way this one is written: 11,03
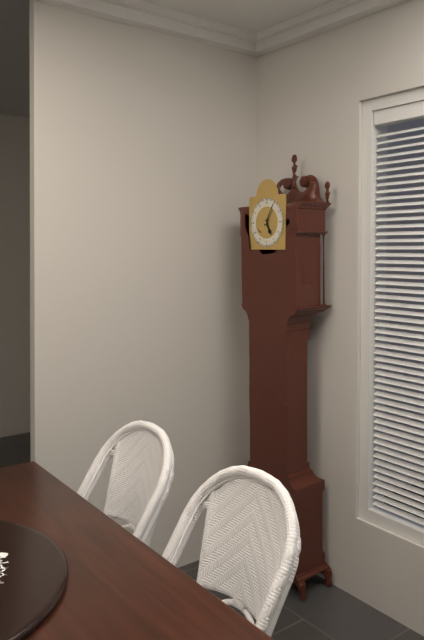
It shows 5,05
